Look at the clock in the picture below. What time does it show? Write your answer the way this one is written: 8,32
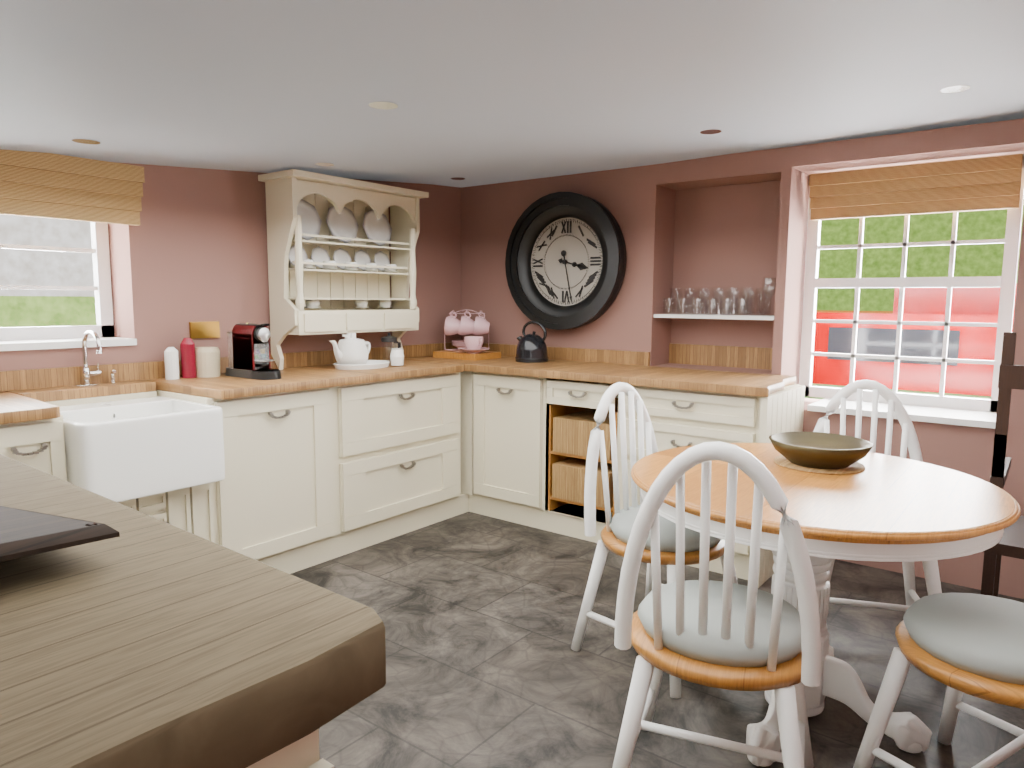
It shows 3,28
